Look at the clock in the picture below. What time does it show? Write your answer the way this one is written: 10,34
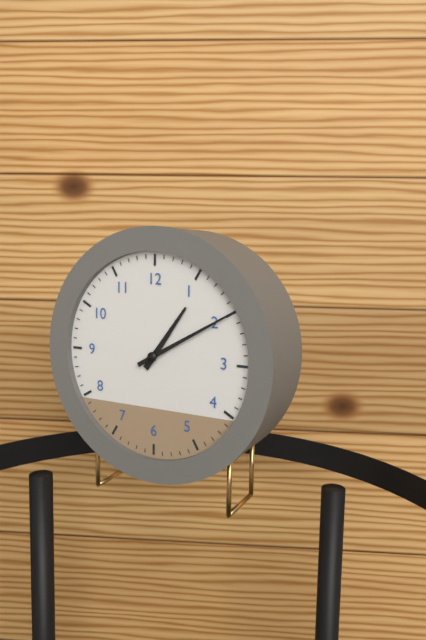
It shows 1,10
